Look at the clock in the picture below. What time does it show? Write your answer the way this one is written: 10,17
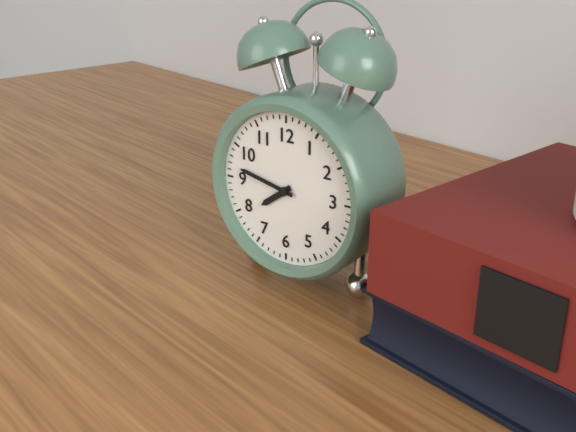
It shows 7,47
